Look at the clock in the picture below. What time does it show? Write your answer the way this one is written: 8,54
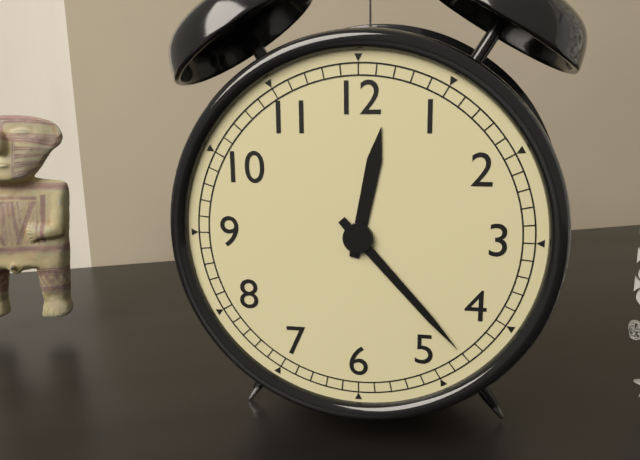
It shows 12,23
